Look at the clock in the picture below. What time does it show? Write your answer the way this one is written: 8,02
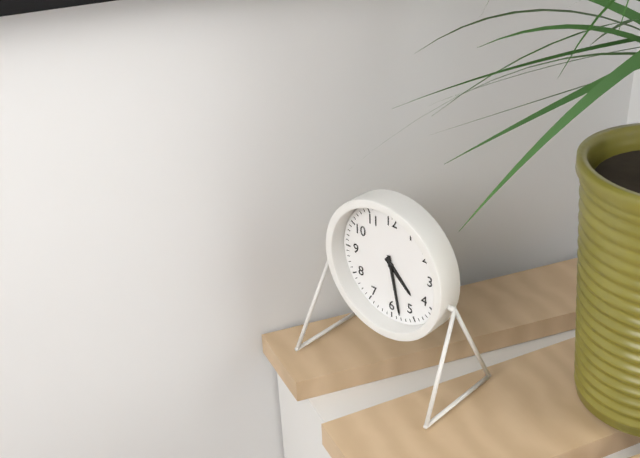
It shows 4,28
